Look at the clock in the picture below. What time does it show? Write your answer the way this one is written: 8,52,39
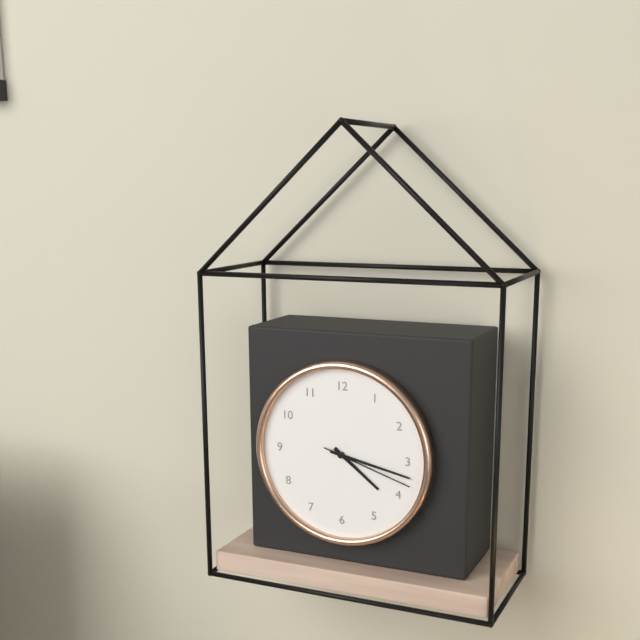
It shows 4,17,18
